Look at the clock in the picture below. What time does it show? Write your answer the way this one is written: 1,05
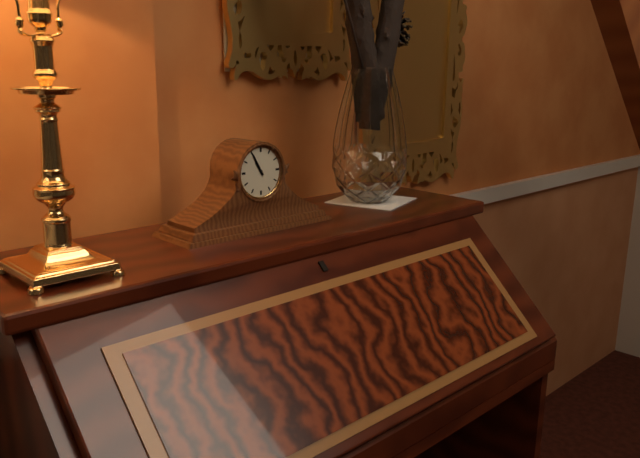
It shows 10,55
